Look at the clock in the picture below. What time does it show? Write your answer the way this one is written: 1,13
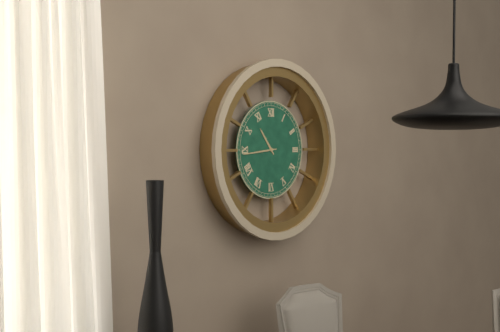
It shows 10,44
